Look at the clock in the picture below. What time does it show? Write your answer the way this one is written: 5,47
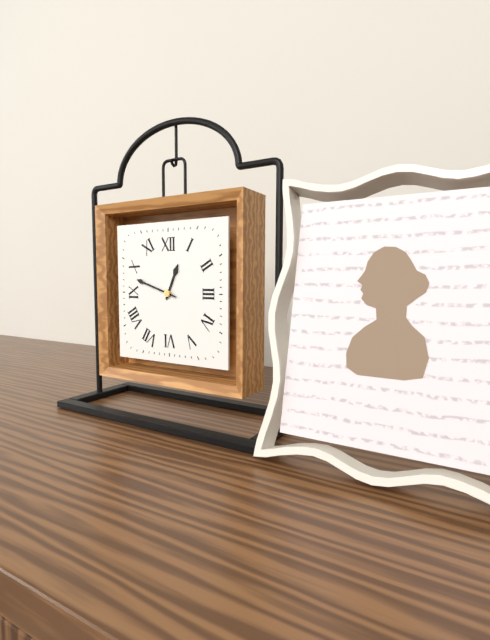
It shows 12,48
